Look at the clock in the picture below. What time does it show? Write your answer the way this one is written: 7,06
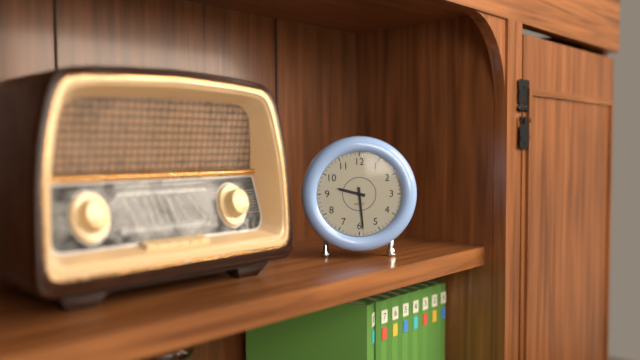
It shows 9,29
